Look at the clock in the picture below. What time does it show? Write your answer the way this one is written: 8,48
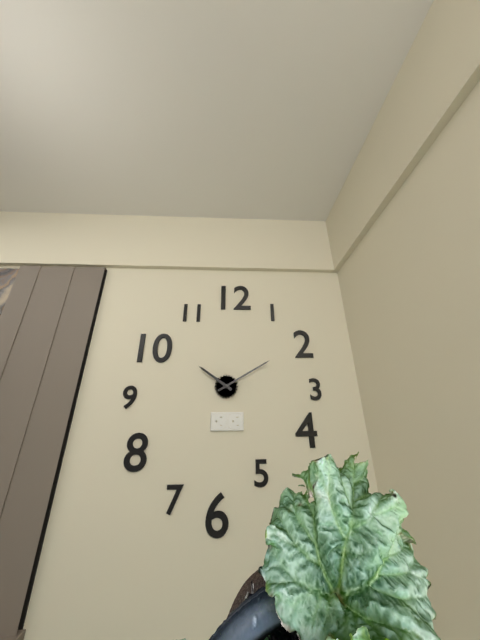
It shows 10,10
